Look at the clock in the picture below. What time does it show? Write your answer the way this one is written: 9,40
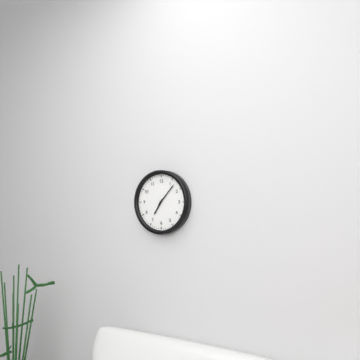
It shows 7,07
